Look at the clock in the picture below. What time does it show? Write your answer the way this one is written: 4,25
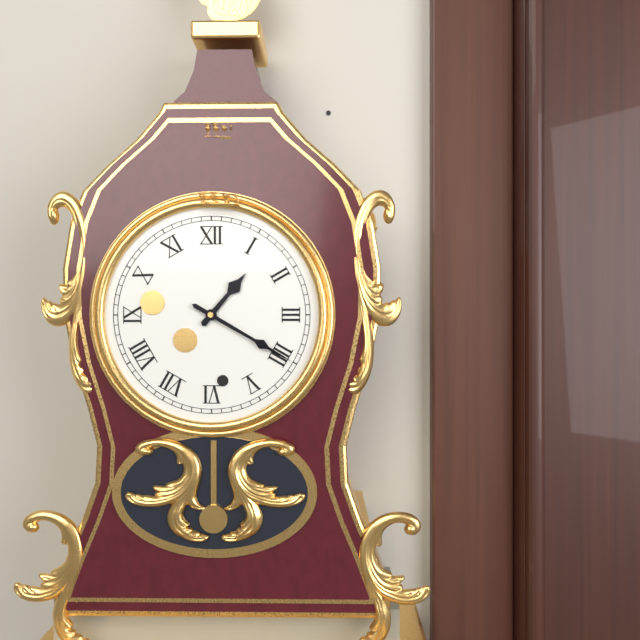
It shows 1,20
